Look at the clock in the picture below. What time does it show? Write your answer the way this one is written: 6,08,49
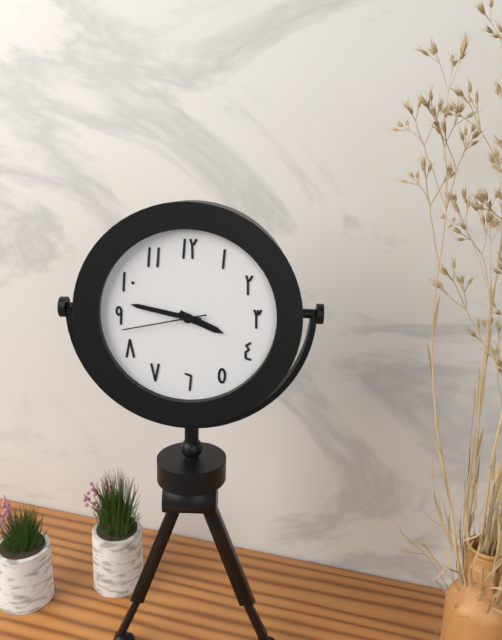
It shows 3,47,43
